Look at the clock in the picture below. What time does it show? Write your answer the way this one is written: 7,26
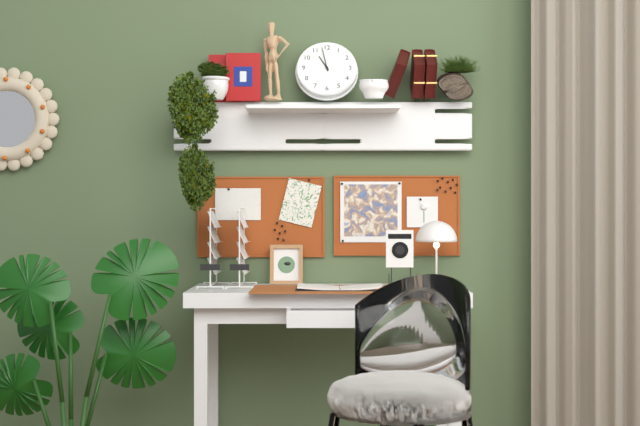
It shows 10,58
